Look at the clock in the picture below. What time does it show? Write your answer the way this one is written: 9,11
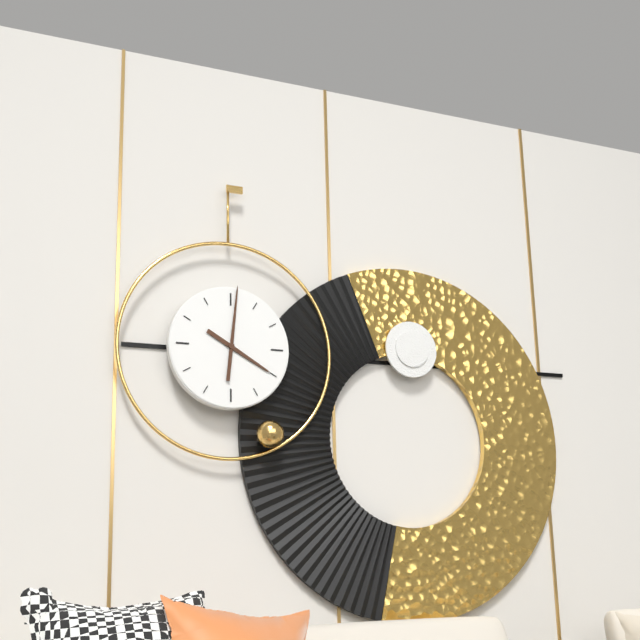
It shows 4,01
